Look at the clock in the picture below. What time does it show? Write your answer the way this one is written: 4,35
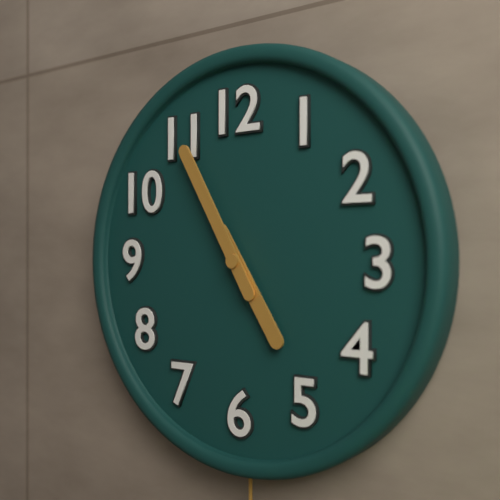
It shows 4,55
